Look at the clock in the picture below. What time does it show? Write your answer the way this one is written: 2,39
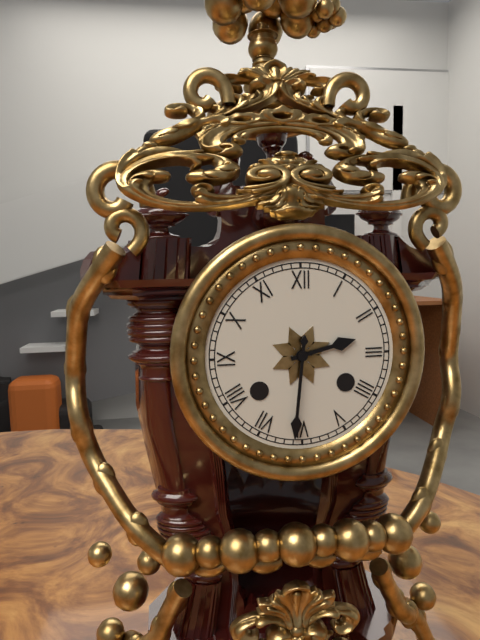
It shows 2,31
